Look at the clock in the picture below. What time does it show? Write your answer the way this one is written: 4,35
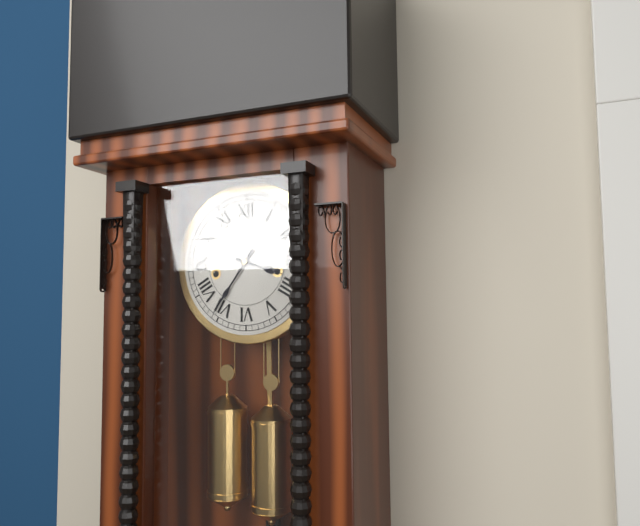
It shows 3,36
